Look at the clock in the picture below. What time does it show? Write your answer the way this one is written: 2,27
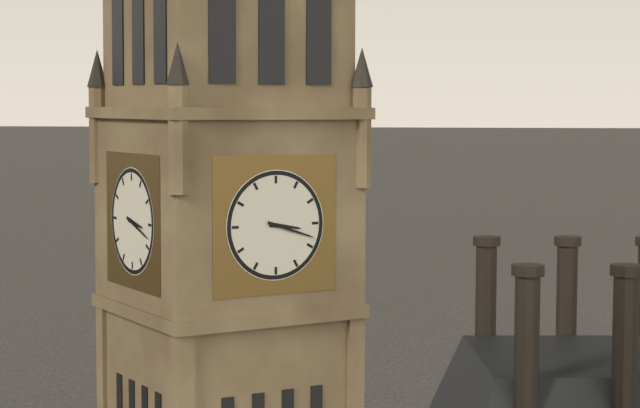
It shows 3,18
